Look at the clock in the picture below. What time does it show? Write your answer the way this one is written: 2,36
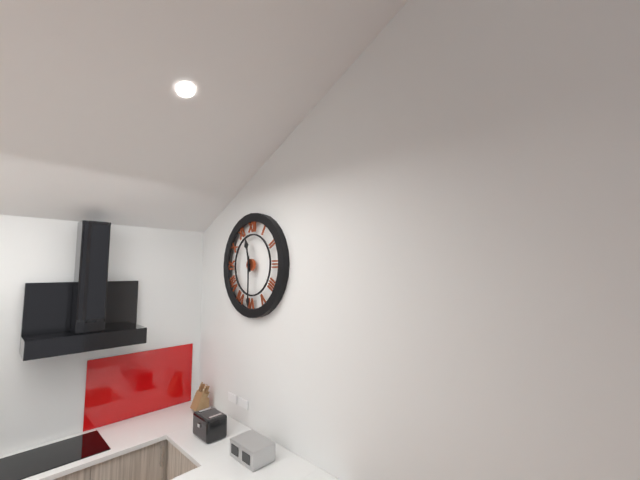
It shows 11,30
